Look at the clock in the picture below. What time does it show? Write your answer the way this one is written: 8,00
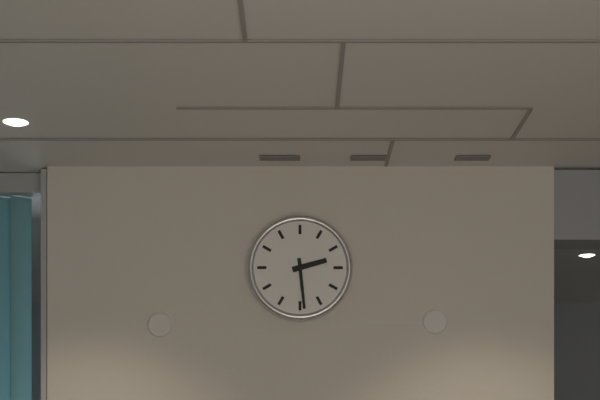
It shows 2,29
